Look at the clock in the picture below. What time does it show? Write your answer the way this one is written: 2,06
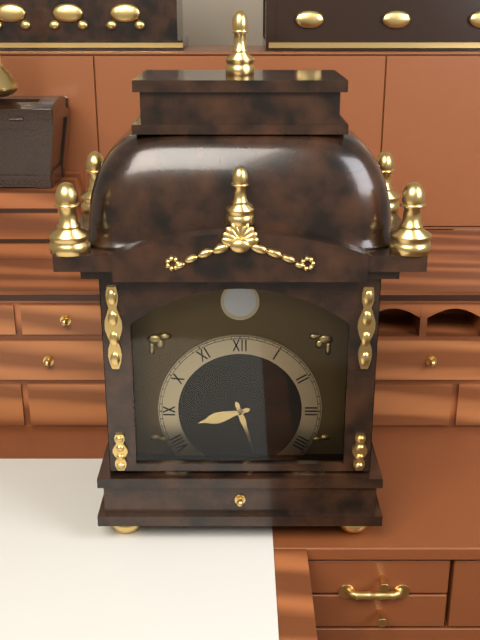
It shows 8,27
